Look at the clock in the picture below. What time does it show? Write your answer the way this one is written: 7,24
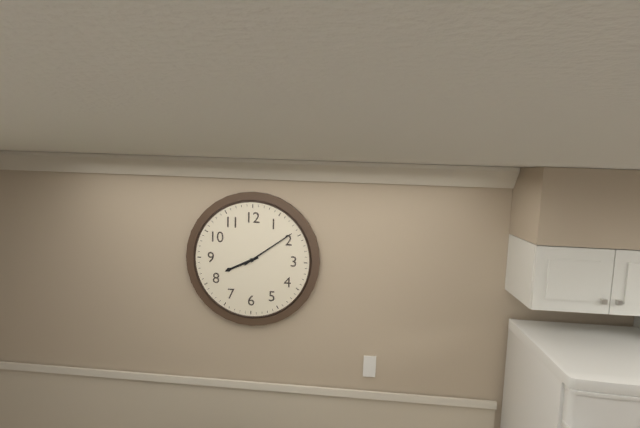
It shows 8,09
